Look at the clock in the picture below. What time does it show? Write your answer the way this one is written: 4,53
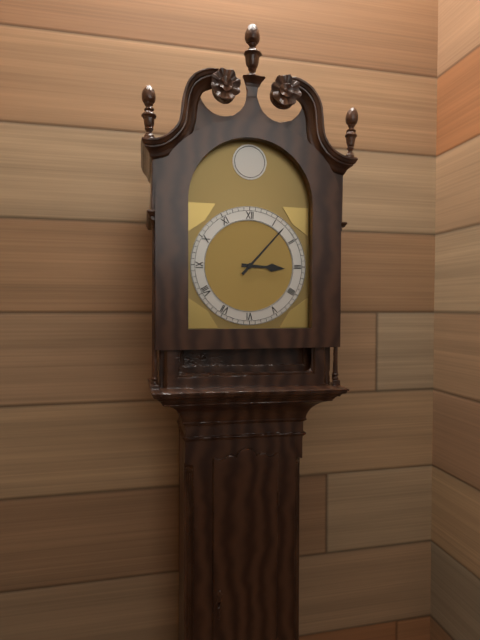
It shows 3,07
